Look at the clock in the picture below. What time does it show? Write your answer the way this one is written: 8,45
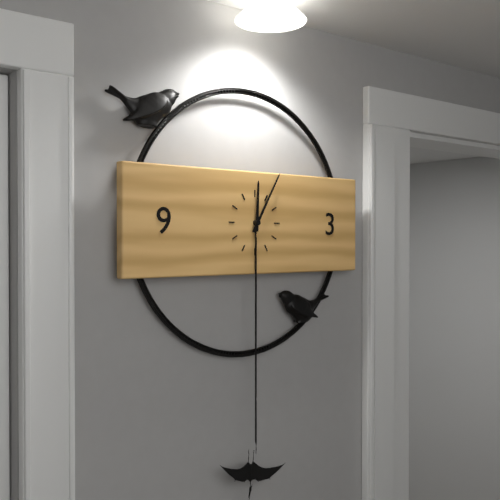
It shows 12,05
